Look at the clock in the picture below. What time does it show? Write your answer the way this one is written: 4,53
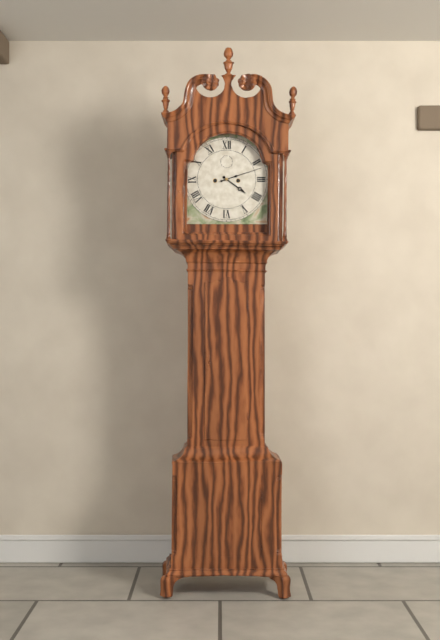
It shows 4,12
